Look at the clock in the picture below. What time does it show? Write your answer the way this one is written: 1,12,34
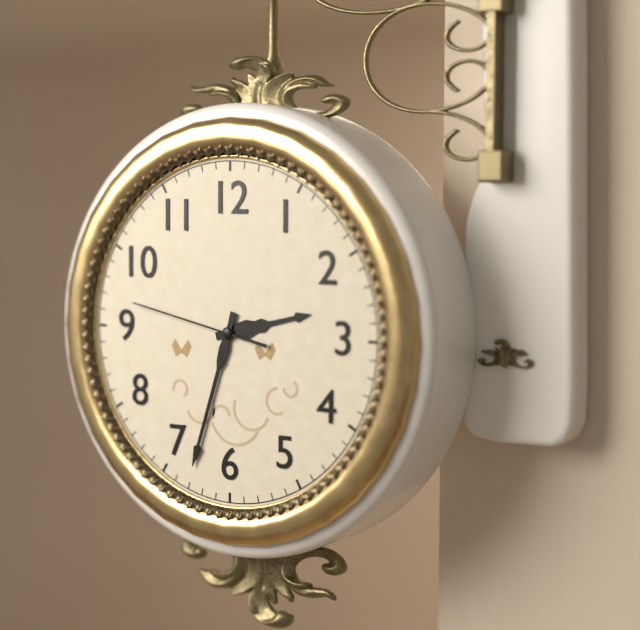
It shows 2,33,47
